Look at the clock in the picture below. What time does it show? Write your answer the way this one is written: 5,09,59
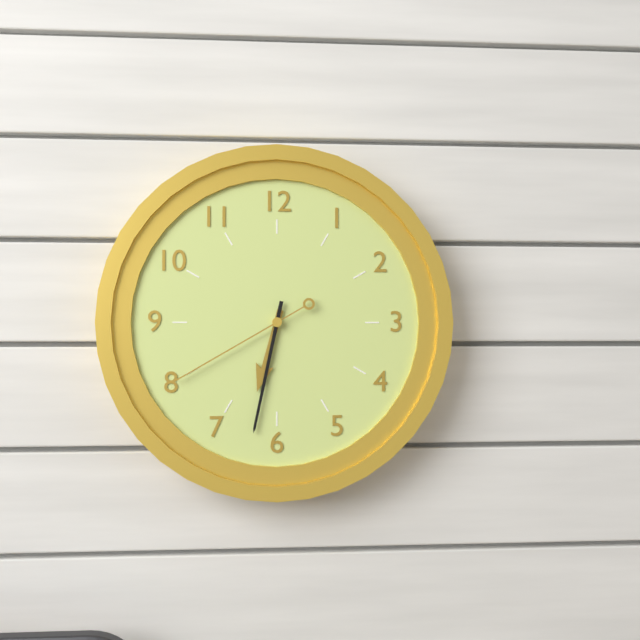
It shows 6,32,40
